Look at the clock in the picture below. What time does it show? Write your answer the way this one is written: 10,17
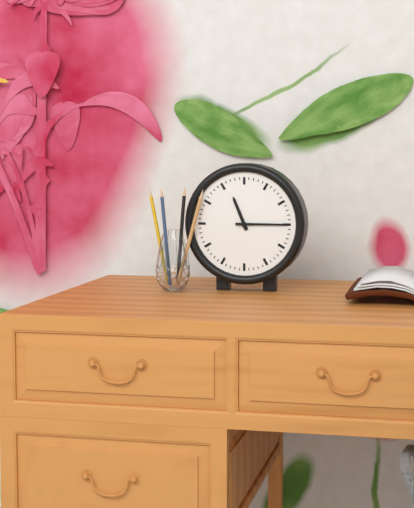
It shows 11,15
